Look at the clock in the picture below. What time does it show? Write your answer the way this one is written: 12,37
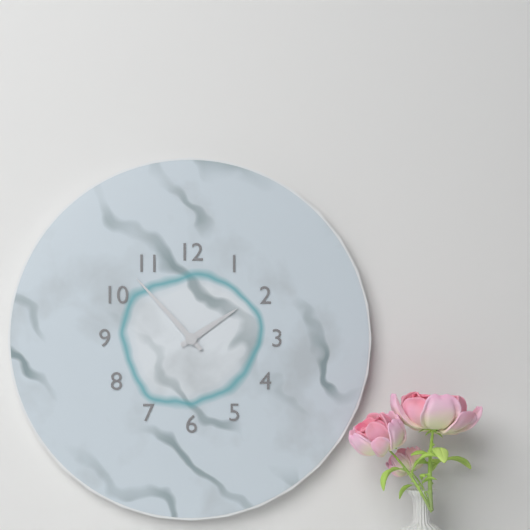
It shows 1,53
